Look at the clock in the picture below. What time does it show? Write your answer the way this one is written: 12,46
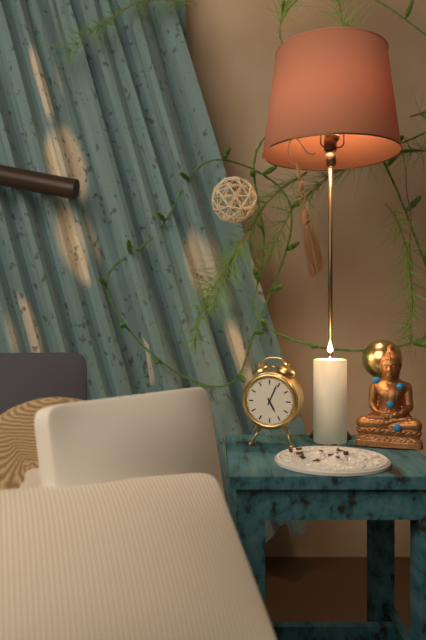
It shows 5,04
